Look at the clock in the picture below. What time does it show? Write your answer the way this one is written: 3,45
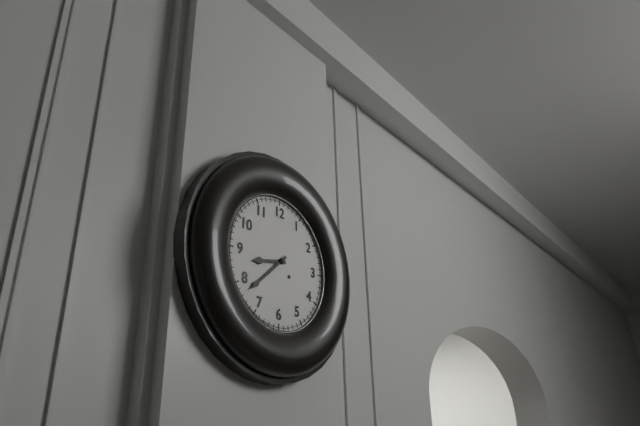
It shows 8,38
